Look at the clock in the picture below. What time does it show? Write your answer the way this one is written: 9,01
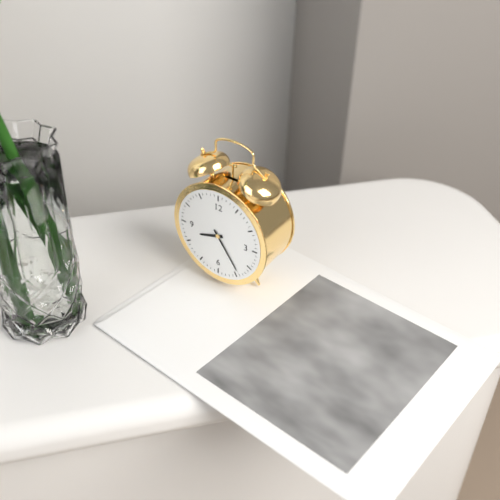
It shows 8,24
